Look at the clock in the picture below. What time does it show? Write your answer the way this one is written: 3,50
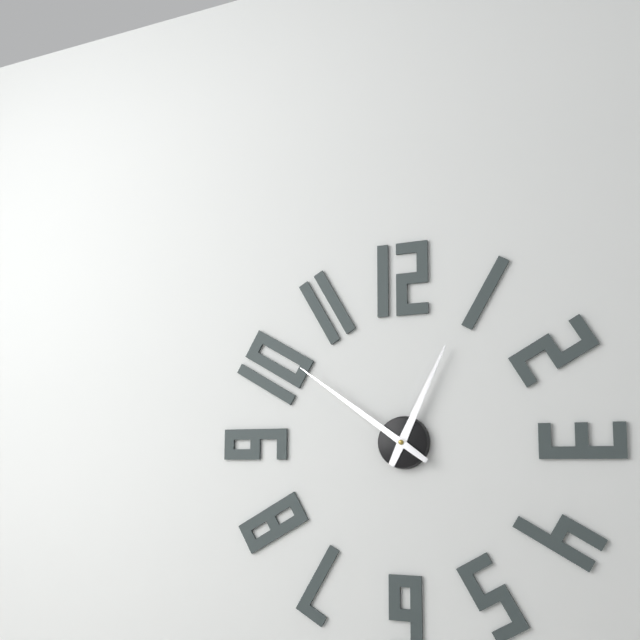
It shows 12,51
